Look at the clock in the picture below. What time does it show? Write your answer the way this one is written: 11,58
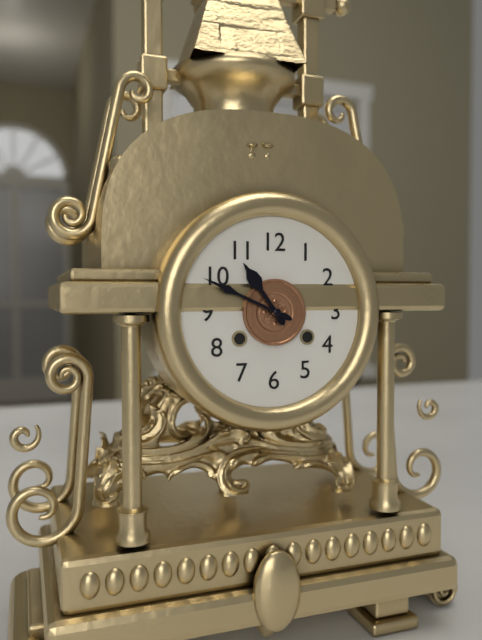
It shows 10,49
